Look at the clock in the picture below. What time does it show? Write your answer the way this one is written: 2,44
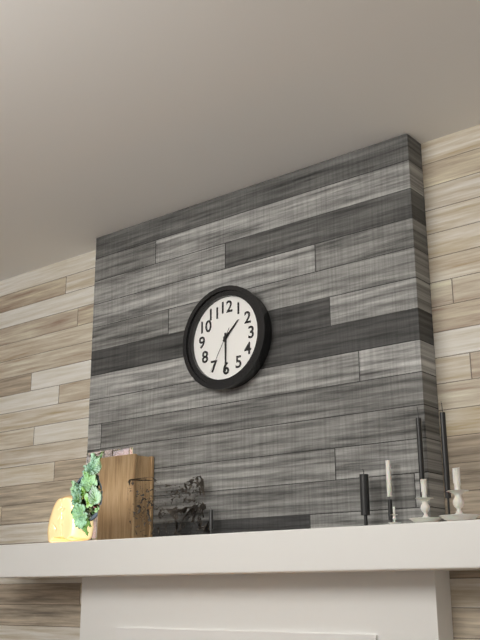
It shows 1,30
